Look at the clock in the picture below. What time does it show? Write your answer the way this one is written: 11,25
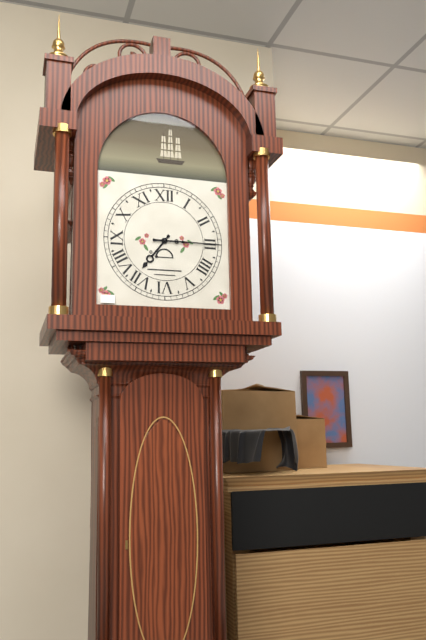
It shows 7,15
